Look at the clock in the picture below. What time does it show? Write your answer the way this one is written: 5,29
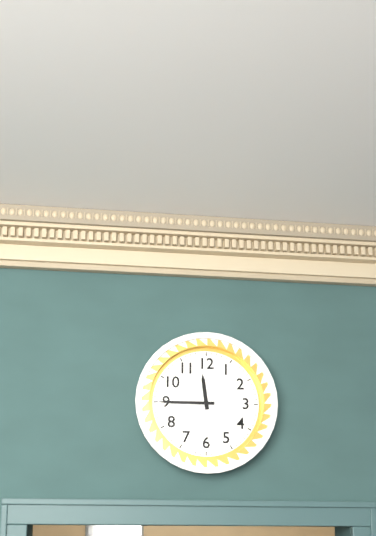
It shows 11,45
